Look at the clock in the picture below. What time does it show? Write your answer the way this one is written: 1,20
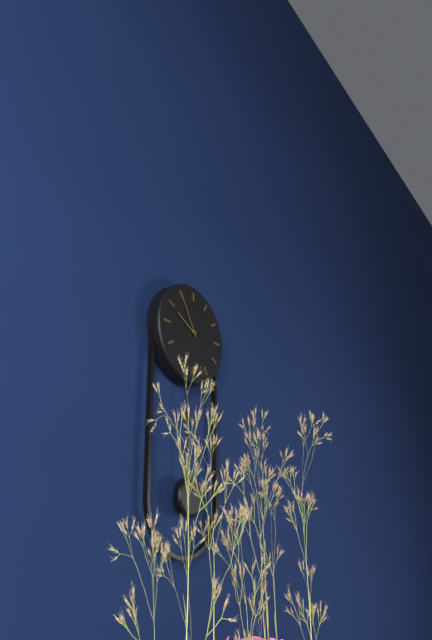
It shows 9,55
